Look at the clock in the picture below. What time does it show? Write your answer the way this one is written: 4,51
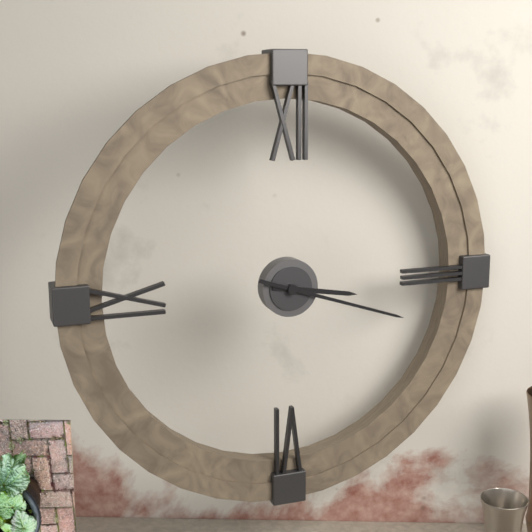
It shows 3,18
